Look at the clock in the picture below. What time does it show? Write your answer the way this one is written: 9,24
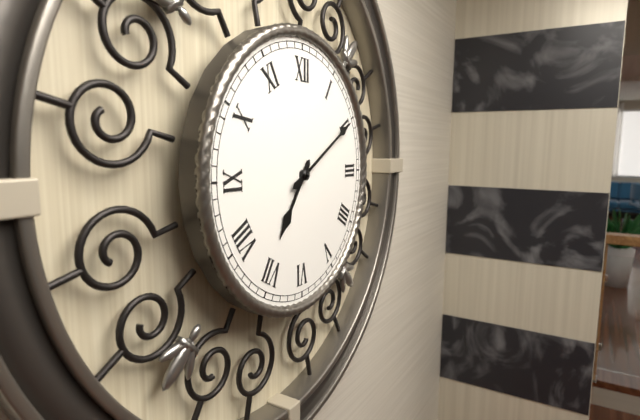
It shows 7,10
